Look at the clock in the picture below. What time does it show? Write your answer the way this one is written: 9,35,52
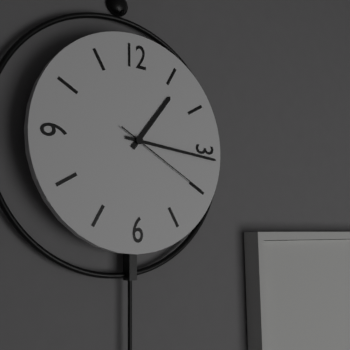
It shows 1,16,20
